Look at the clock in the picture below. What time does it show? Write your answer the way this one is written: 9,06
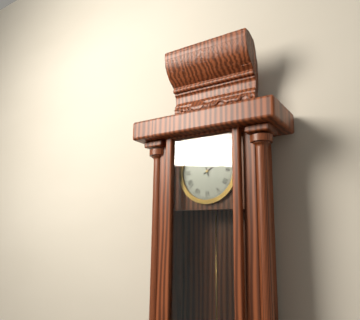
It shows 1,57
